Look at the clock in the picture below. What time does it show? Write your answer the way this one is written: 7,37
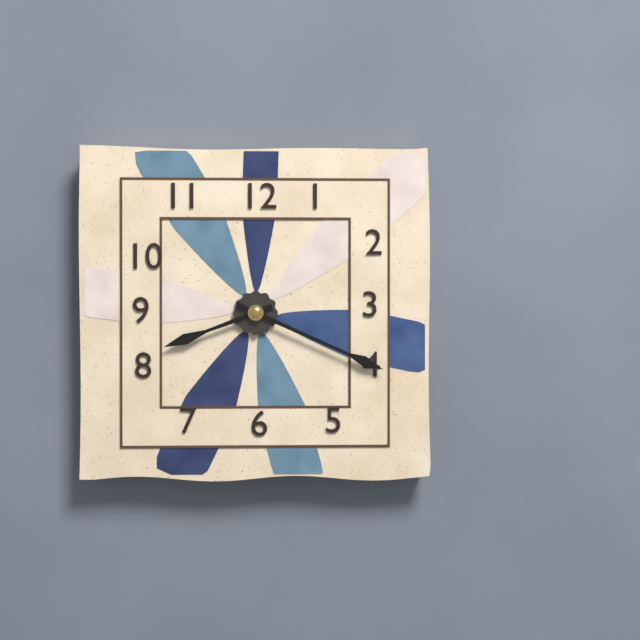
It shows 8,19
